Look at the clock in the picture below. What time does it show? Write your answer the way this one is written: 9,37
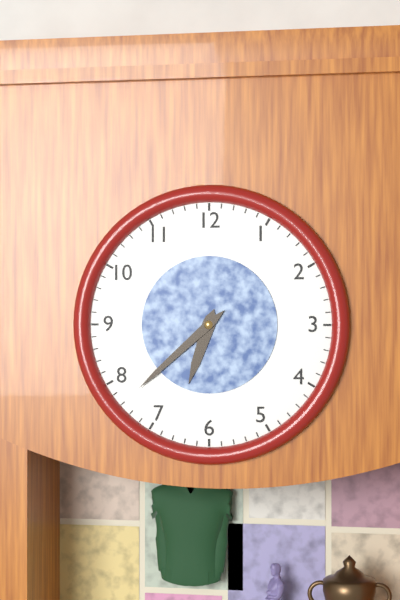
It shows 6,38
